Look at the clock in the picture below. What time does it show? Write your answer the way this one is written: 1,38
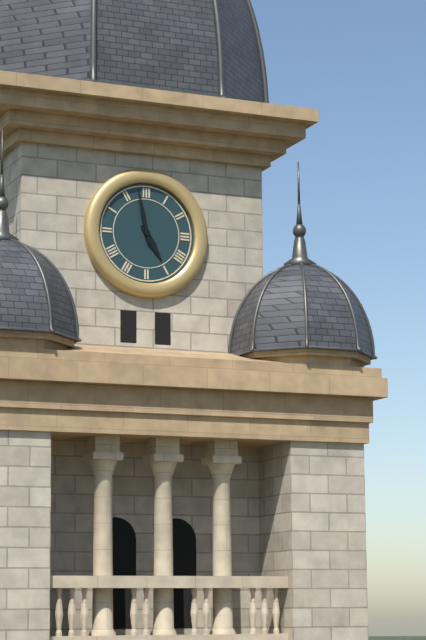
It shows 4,58
